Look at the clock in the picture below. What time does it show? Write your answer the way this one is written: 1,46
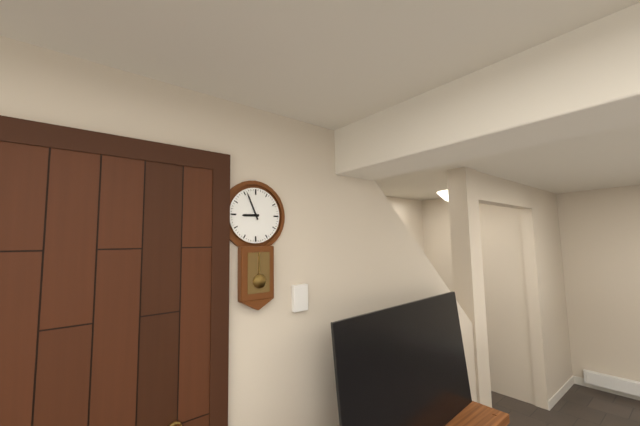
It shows 8,56
